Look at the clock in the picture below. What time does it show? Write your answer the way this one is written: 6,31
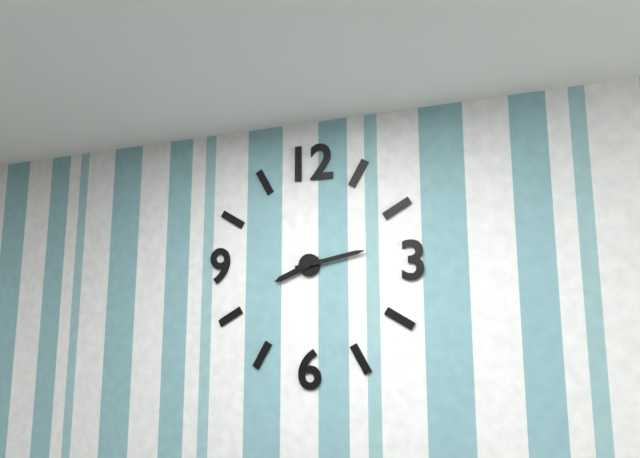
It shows 8,13
